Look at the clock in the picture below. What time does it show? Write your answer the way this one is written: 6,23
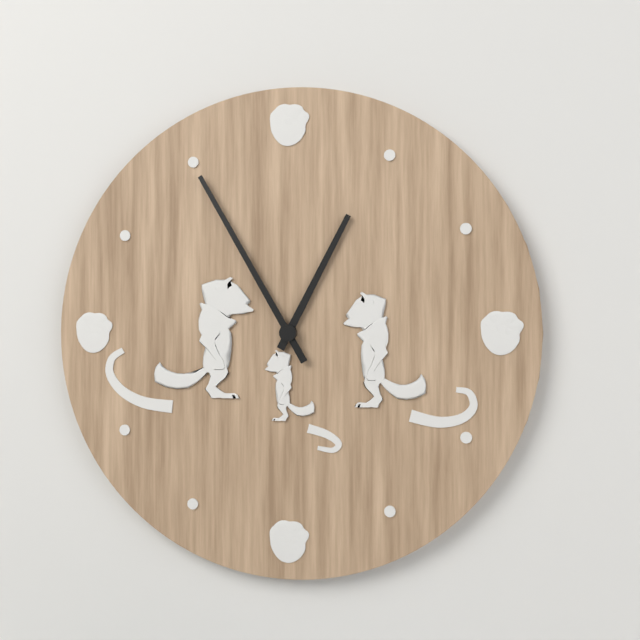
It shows 12,55
